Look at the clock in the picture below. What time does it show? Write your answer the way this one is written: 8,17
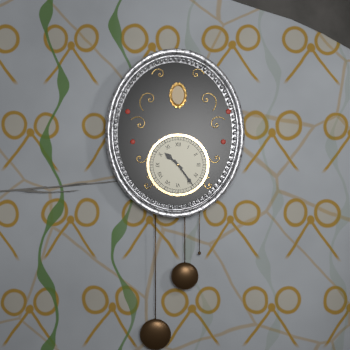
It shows 10,24
